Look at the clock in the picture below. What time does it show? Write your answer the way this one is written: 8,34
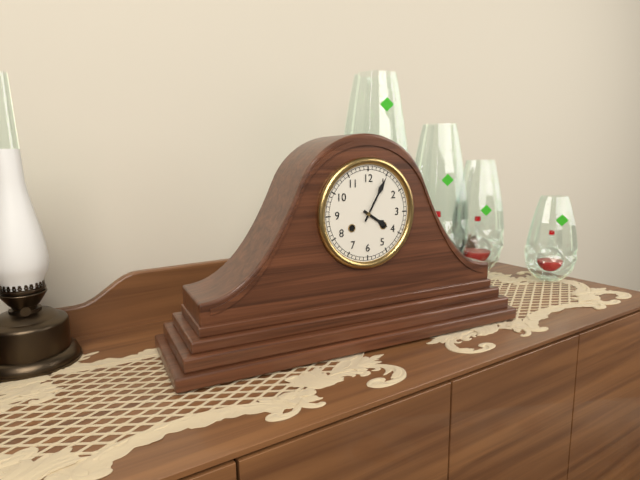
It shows 4,05
